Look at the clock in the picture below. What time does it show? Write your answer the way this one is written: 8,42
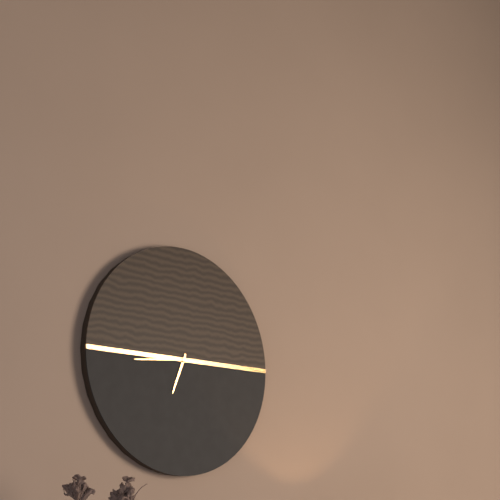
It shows 6,44
